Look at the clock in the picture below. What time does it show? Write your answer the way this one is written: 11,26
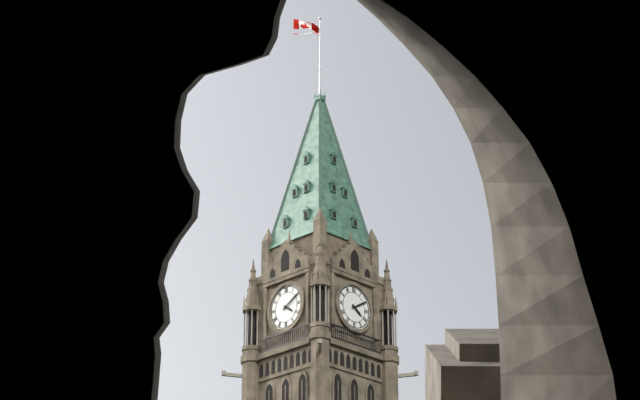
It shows 4,10
